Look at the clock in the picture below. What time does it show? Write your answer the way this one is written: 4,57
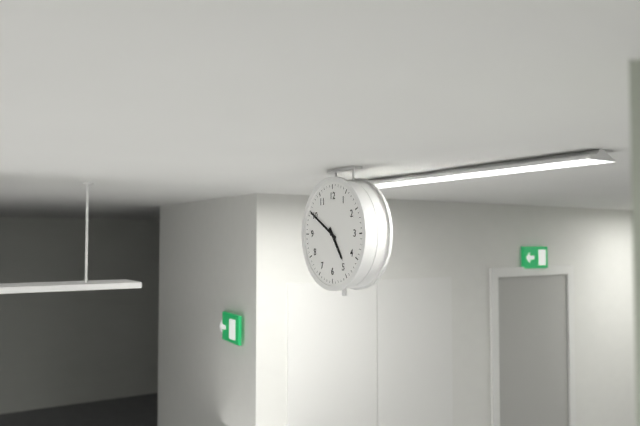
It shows 4,50
